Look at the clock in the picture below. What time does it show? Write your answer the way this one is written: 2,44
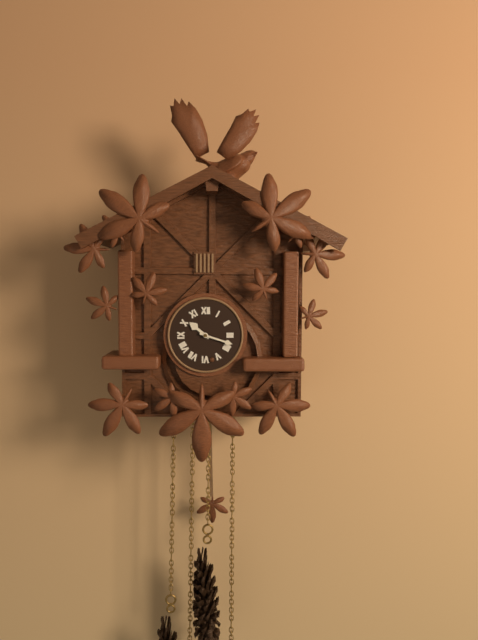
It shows 10,18
